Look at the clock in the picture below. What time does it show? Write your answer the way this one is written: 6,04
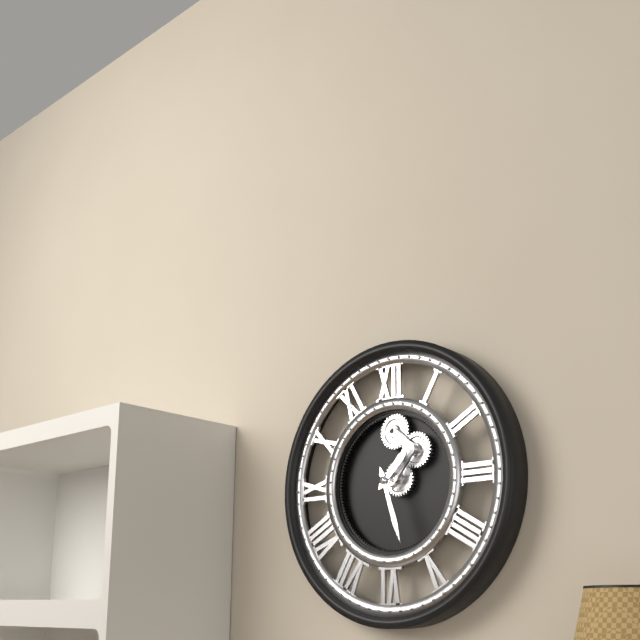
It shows 1,27
